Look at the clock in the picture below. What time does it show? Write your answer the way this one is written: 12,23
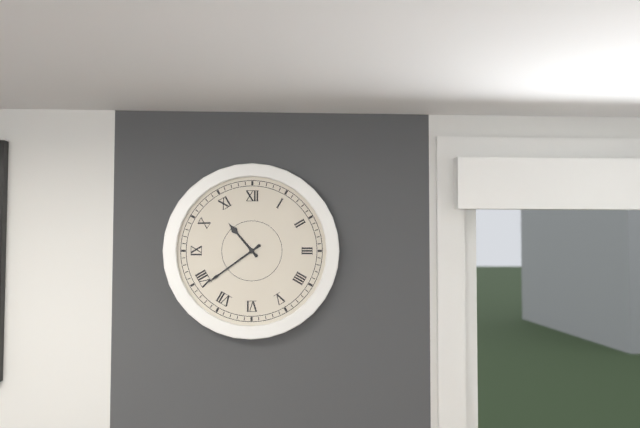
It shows 10,39
